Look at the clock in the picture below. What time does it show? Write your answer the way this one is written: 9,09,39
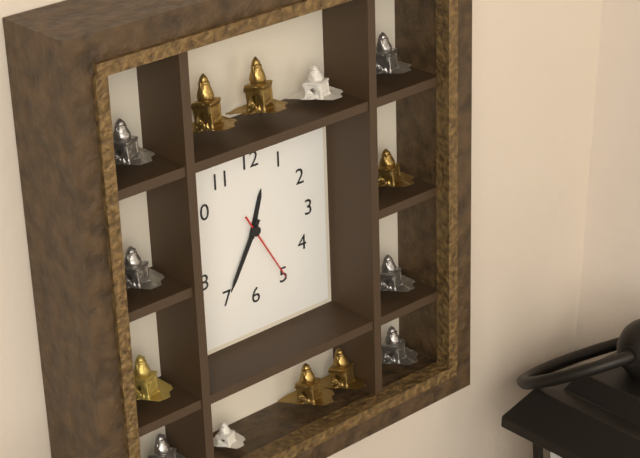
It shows 12,35,25
